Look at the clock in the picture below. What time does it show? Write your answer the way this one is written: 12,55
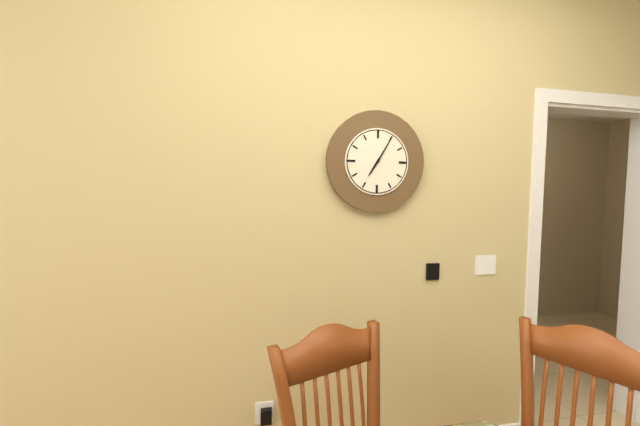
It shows 7,05
